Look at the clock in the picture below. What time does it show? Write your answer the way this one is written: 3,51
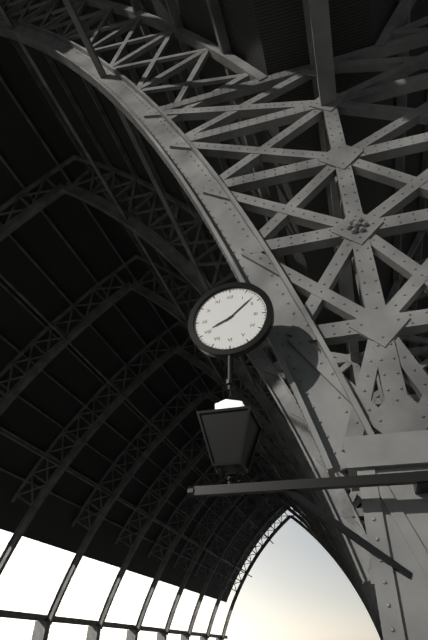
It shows 8,08
